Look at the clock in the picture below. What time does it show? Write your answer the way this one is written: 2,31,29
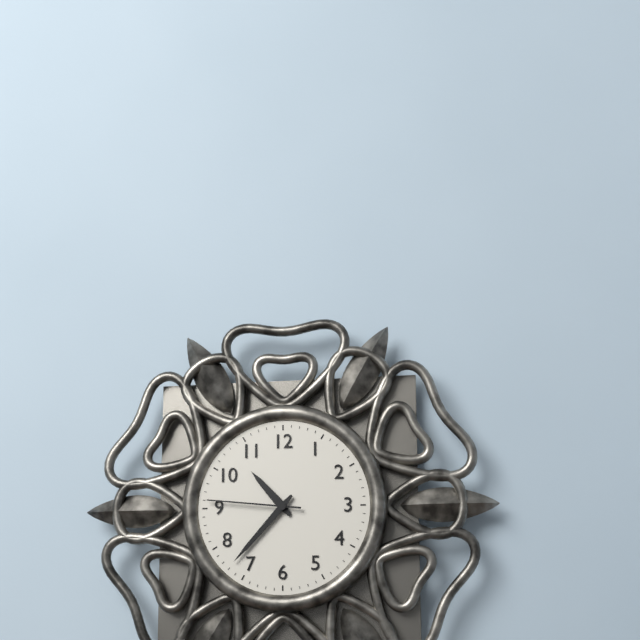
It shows 10,37,46
